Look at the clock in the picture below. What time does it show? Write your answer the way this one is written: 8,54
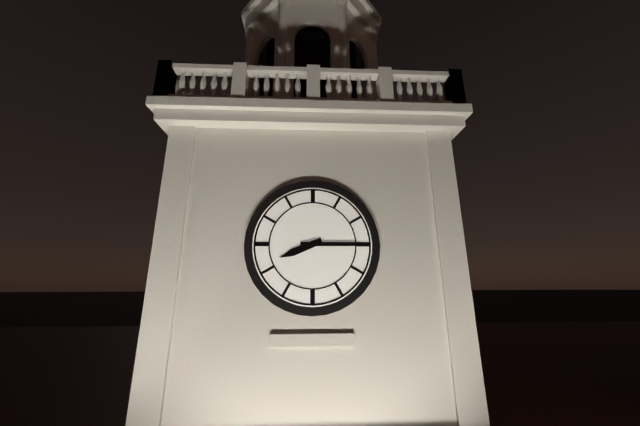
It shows 8,15
